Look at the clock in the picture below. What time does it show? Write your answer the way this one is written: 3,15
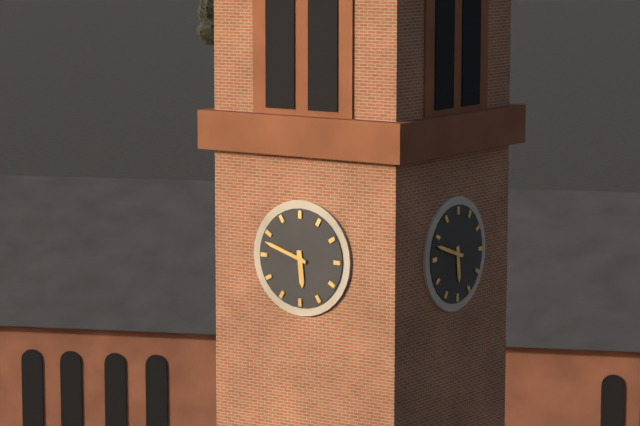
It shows 5,48
